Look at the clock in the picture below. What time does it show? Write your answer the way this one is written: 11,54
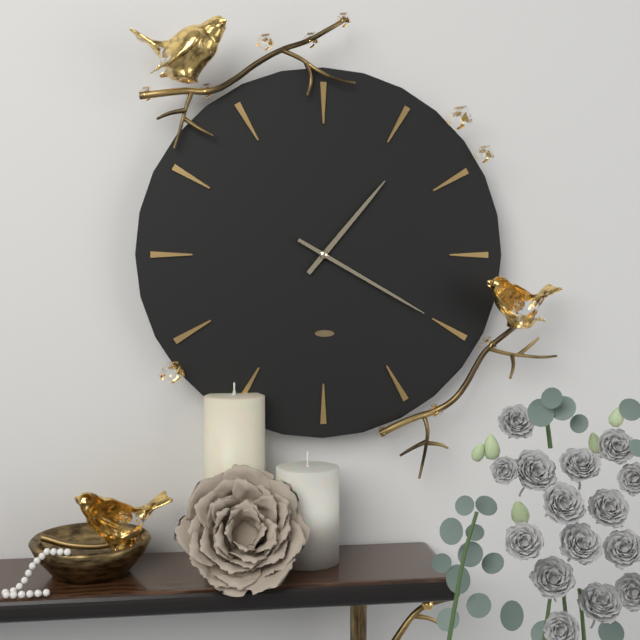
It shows 1,20
